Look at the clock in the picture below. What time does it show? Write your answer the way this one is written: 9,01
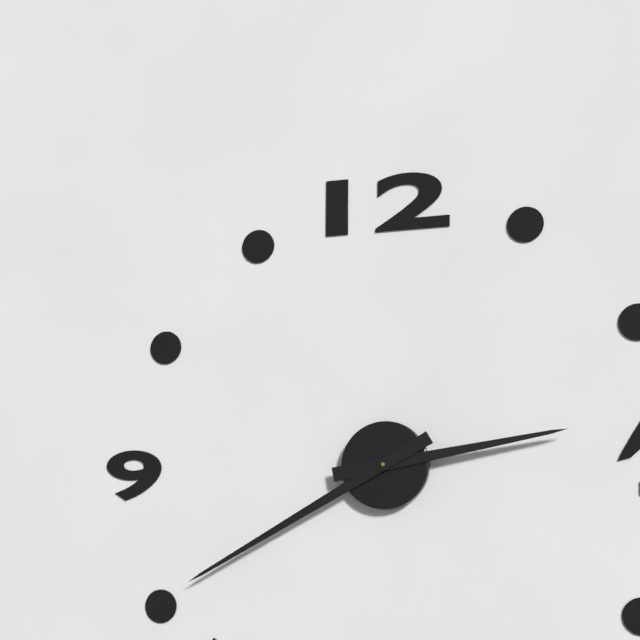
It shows 2,40
